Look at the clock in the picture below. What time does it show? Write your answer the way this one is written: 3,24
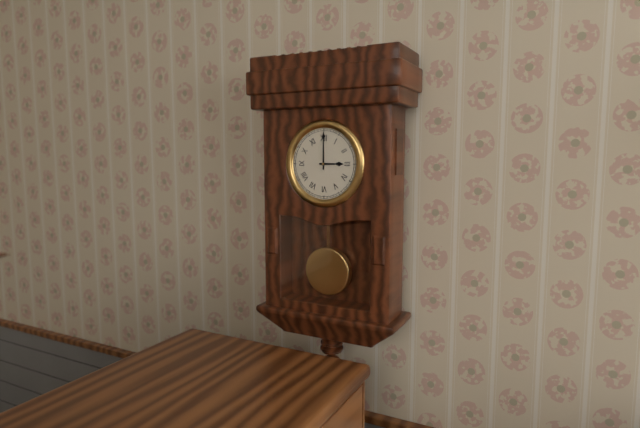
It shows 3,00
